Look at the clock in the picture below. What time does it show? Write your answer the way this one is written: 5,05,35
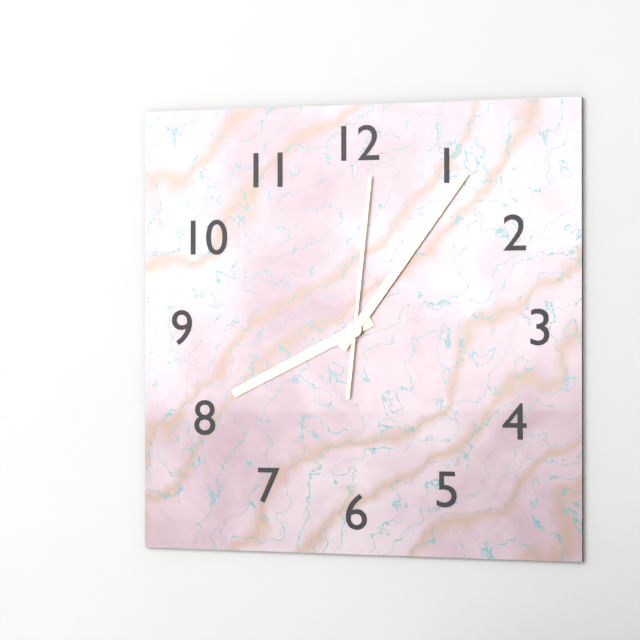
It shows 8,06,01
